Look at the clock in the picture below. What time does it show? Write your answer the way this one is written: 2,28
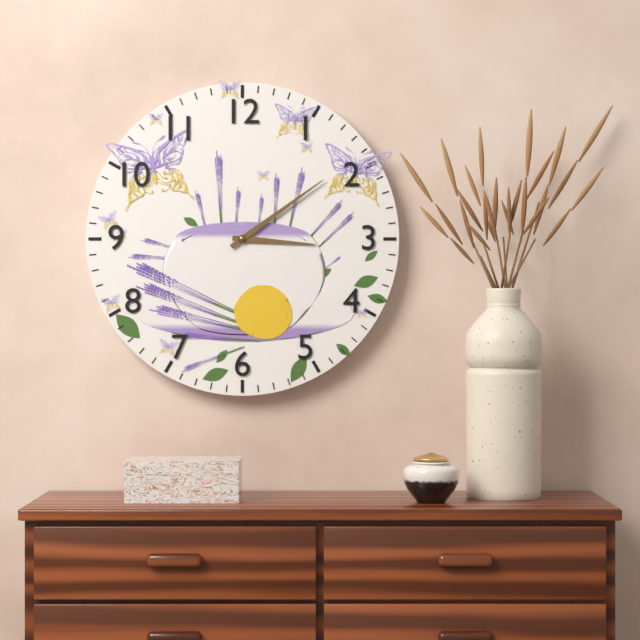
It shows 3,09
